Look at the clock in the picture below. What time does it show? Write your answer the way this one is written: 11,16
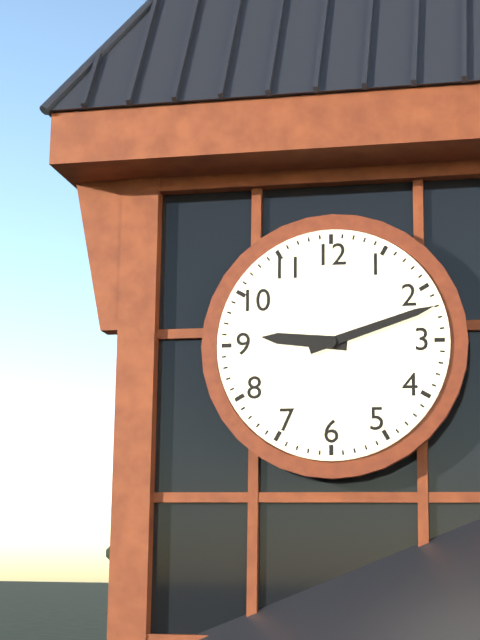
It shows 9,12
